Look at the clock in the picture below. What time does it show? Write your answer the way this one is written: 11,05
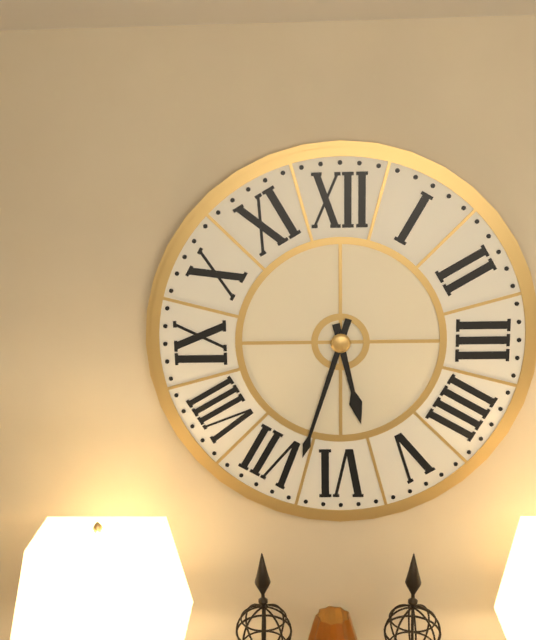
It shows 5,33
